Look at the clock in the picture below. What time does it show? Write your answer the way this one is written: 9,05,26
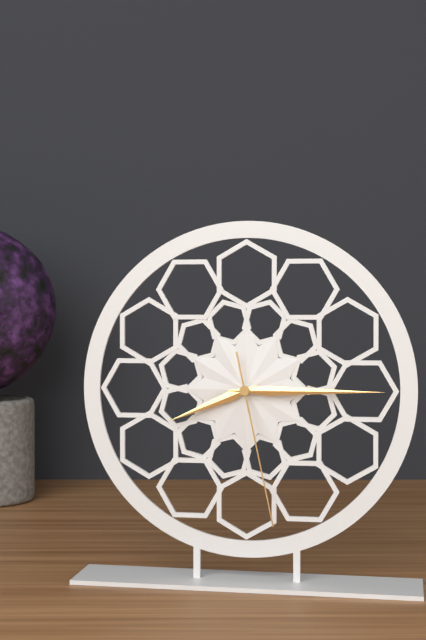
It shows 8,15,28
